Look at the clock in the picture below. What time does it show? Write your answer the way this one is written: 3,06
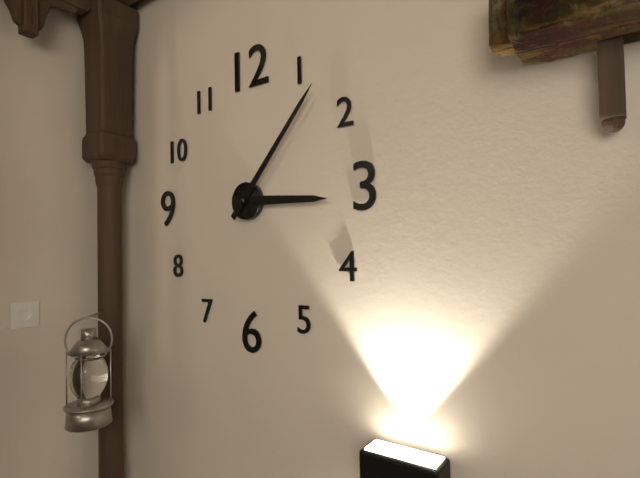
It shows 3,07
